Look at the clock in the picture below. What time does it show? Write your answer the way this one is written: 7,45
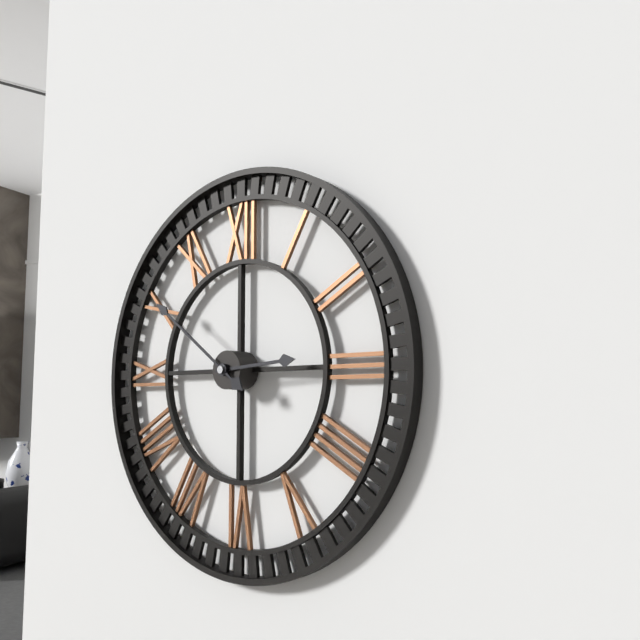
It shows 2,51
